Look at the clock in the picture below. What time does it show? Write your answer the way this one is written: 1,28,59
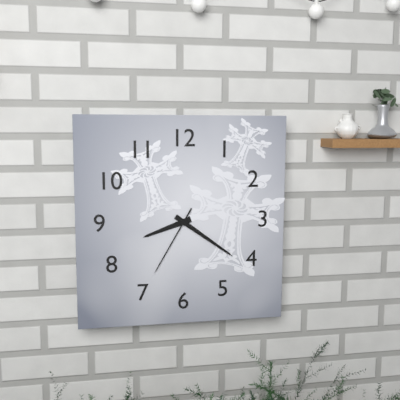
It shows 8,21,35
